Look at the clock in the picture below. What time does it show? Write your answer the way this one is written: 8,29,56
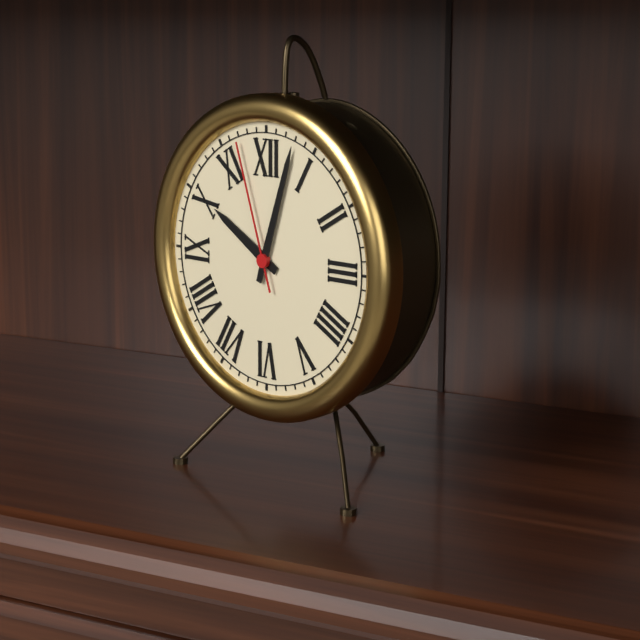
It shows 10,03,57
